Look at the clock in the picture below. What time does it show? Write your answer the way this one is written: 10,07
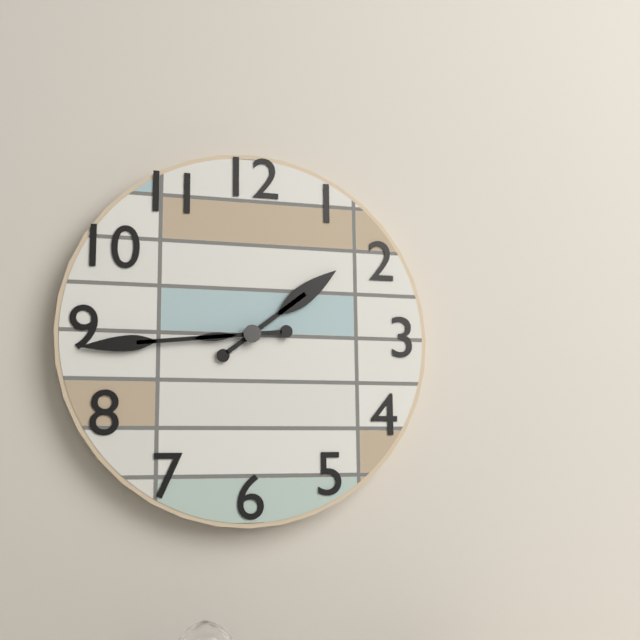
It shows 1,44
